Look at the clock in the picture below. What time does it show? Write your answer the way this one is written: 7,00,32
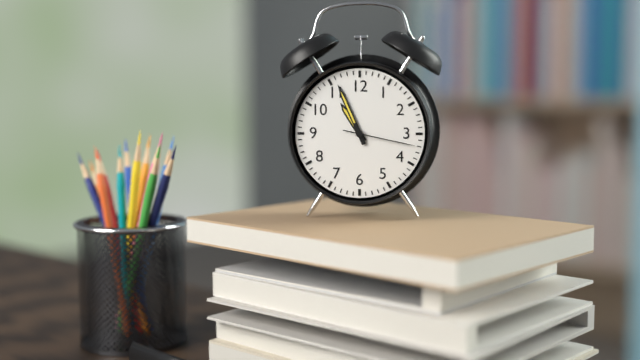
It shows 10,56,17
